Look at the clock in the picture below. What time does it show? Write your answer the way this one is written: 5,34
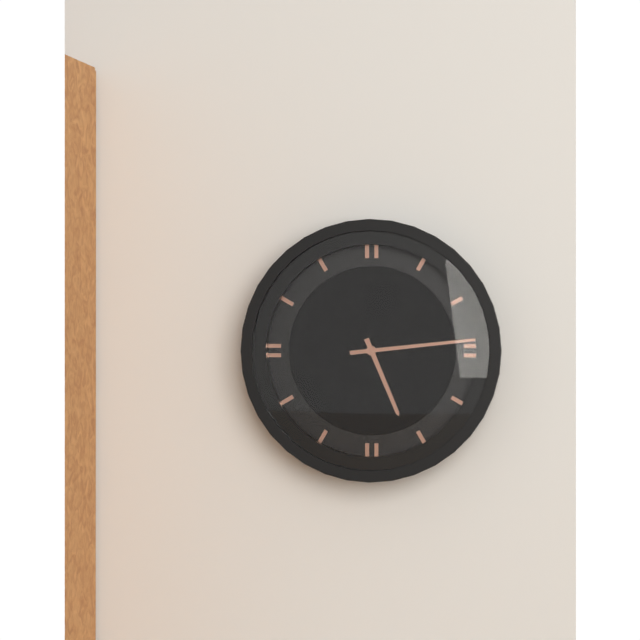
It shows 5,14
